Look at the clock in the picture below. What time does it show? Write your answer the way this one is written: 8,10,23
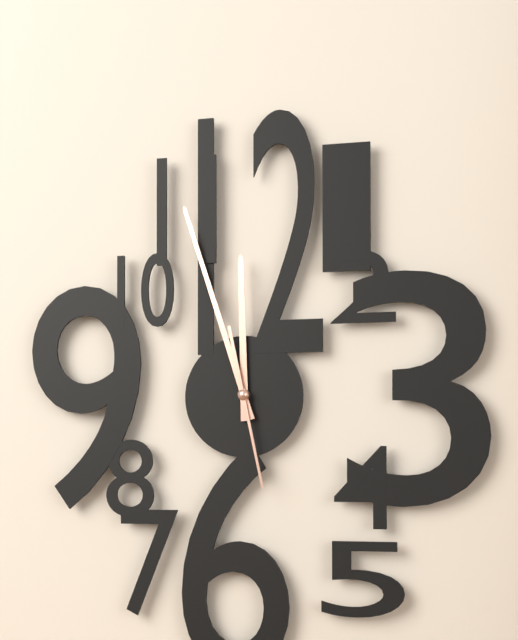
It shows 11,57,28
